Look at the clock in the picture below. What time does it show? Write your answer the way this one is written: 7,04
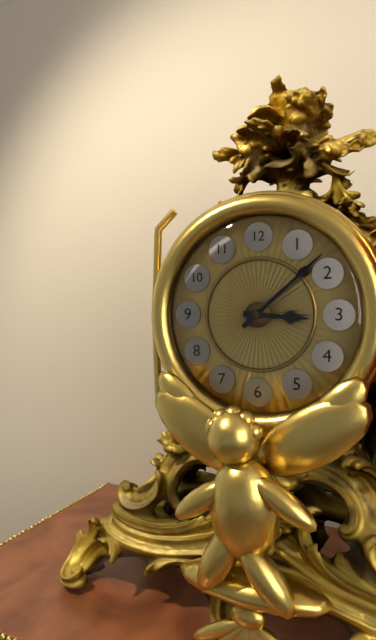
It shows 3,08
